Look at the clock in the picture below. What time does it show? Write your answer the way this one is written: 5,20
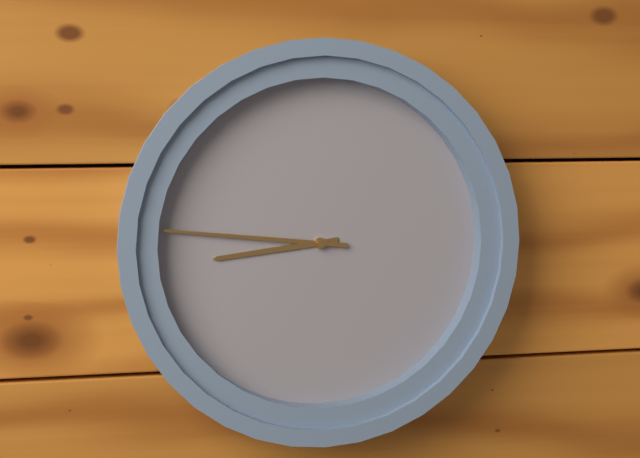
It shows 8,46
